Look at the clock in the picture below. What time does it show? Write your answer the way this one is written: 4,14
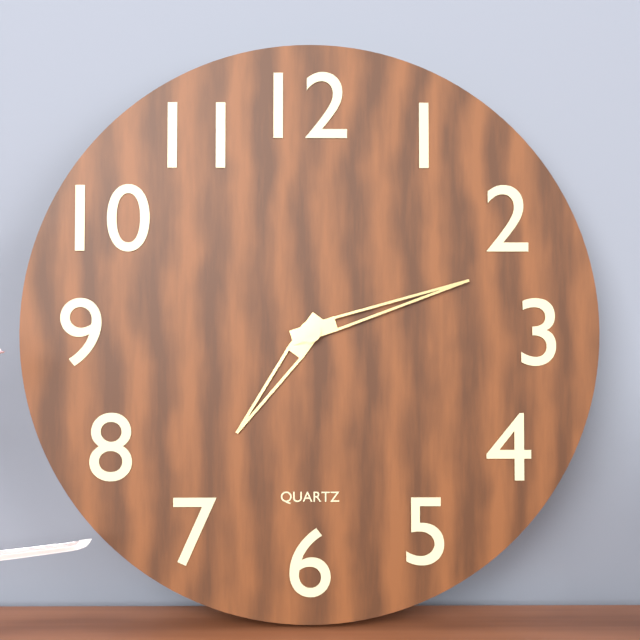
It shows 7,12
